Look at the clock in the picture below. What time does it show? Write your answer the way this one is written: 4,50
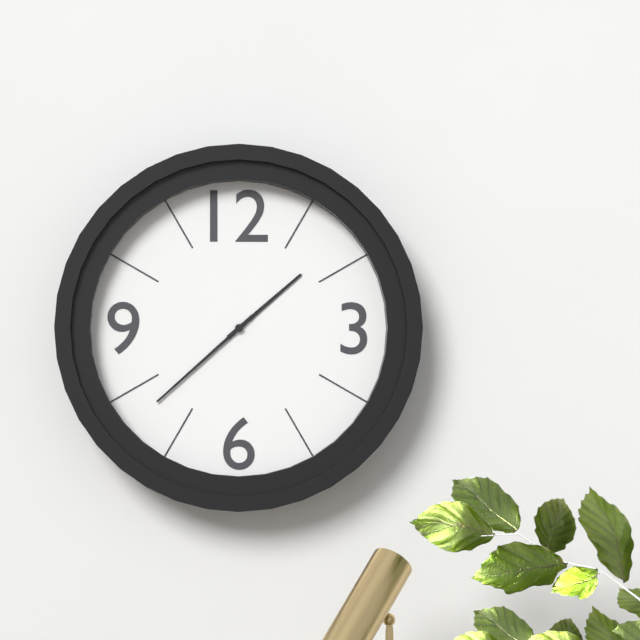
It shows 1,38
